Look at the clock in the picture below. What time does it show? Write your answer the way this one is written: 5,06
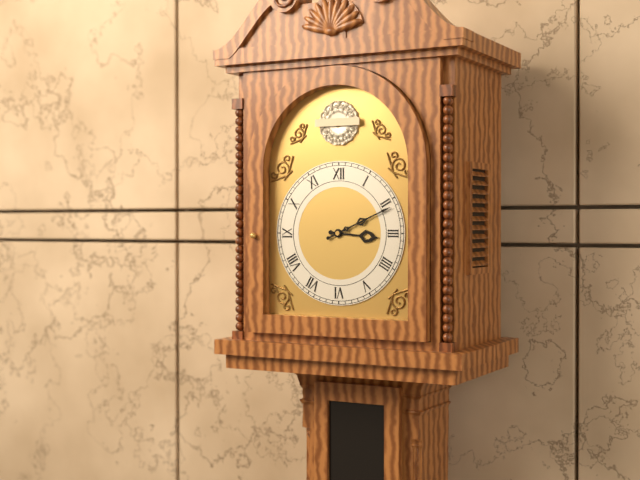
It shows 3,11
